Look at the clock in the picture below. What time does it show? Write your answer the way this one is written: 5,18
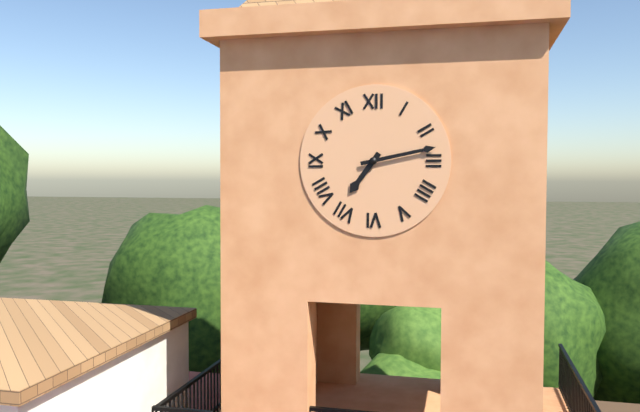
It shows 7,13
